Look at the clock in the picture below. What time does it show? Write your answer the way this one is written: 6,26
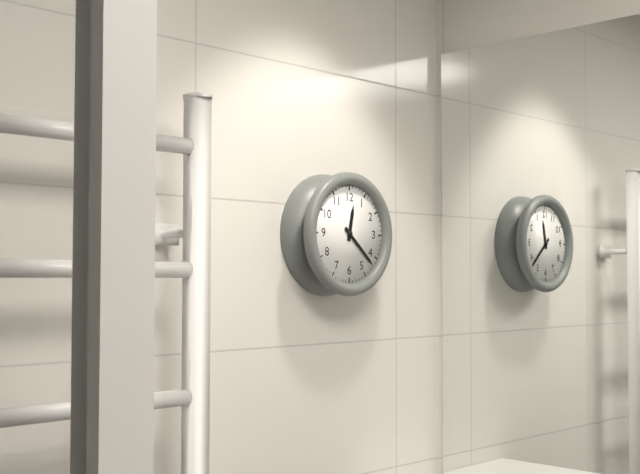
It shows 12,22
